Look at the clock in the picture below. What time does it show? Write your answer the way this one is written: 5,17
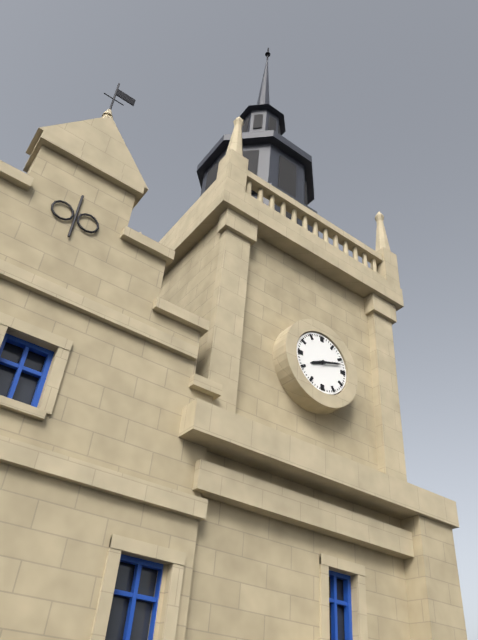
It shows 8,12
